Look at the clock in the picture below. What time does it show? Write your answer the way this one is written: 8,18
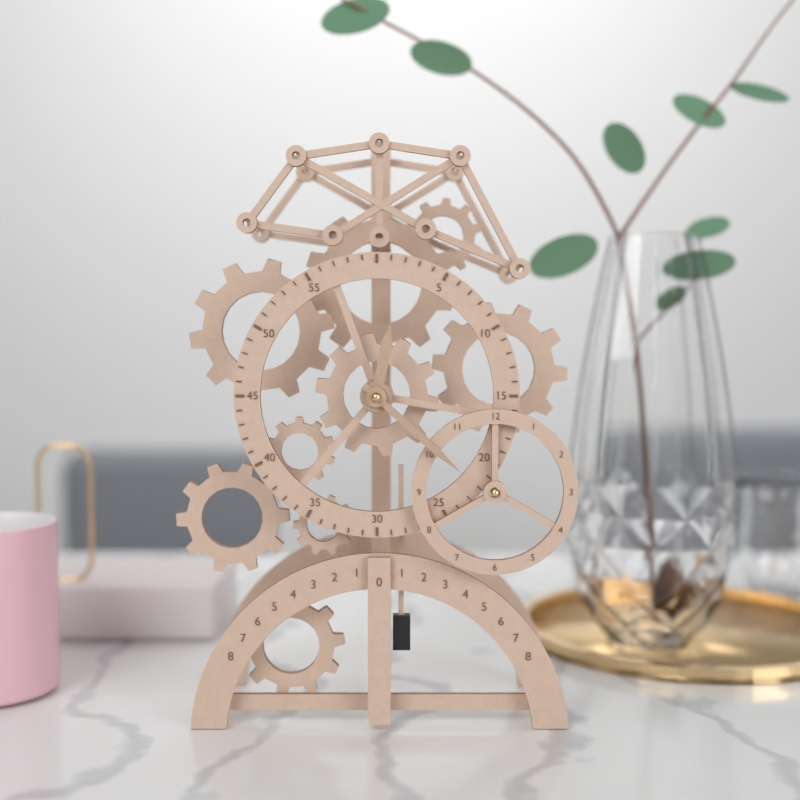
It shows 12,22
